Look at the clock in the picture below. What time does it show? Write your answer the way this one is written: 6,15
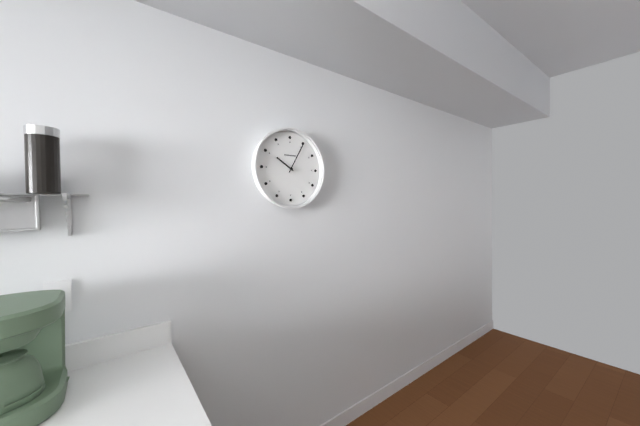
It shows 10,05
